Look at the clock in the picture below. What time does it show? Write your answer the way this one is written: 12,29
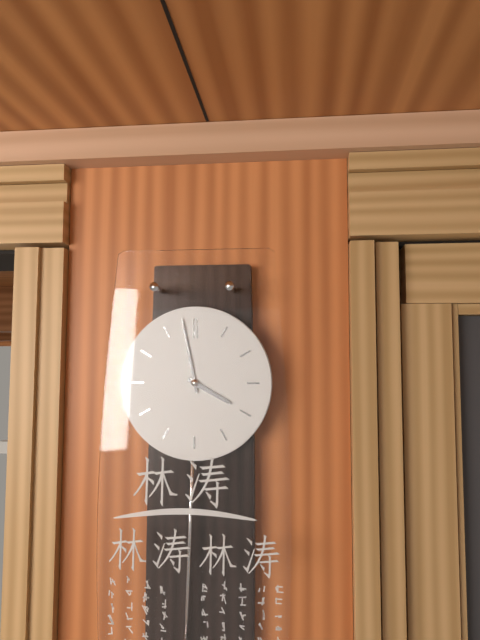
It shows 3,58
